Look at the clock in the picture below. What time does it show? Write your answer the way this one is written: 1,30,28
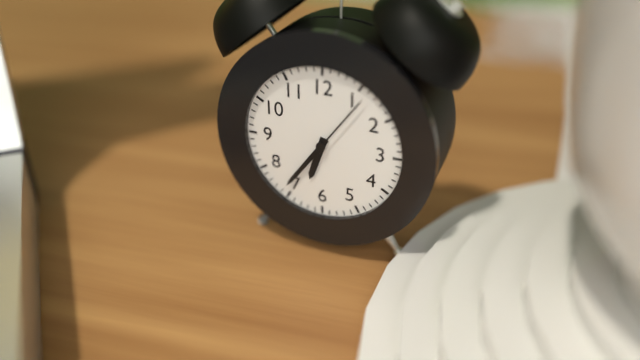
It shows 6,36,06
